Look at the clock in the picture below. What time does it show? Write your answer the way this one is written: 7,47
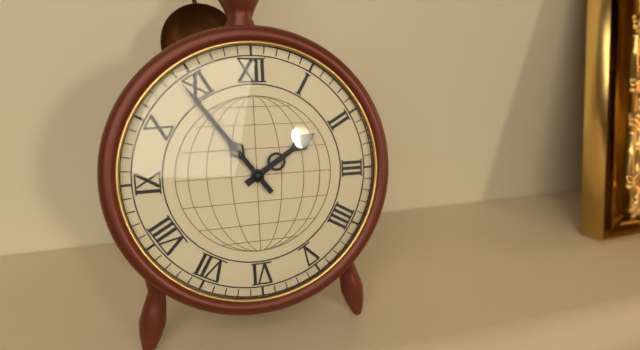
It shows 1,54
